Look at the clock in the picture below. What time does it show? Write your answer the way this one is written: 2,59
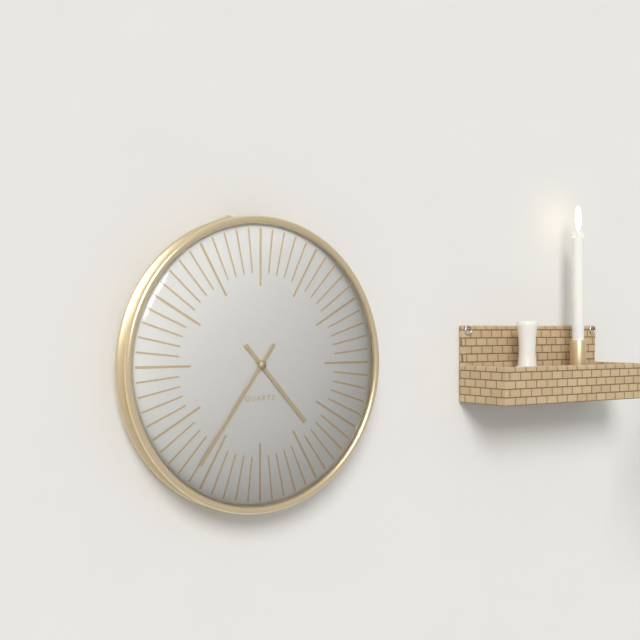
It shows 4,36
